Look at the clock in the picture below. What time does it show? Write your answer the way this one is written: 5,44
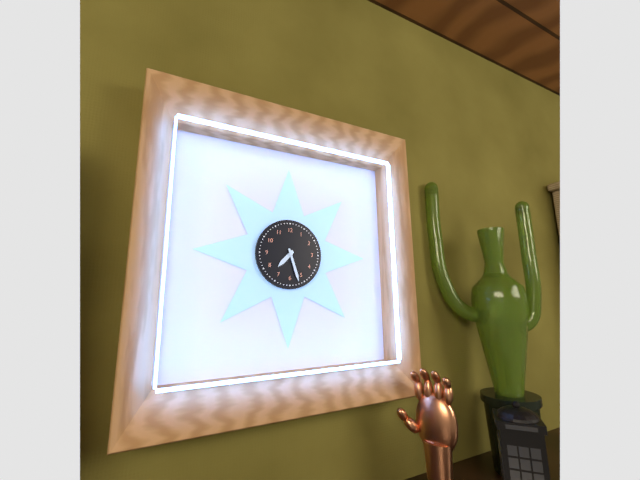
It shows 7,27
